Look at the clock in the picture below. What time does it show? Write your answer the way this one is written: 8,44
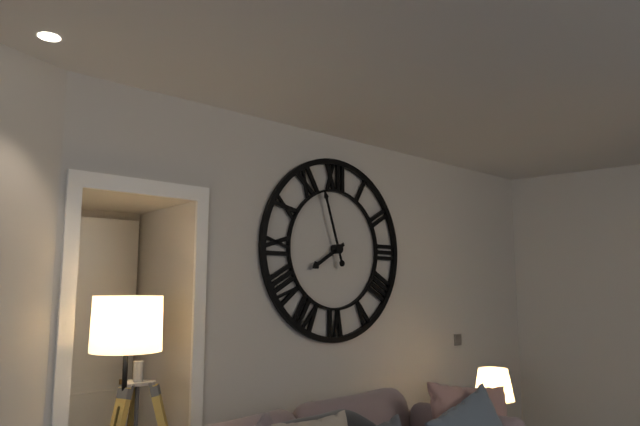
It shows 7,57
